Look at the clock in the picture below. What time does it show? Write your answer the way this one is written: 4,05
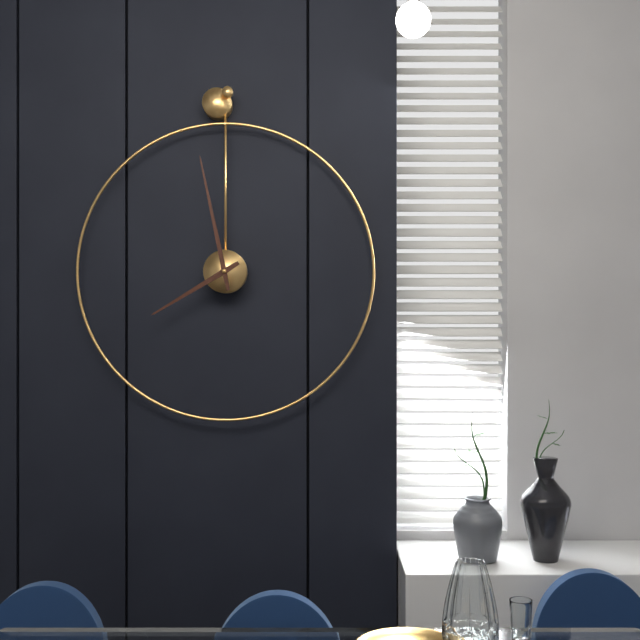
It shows 7,58
